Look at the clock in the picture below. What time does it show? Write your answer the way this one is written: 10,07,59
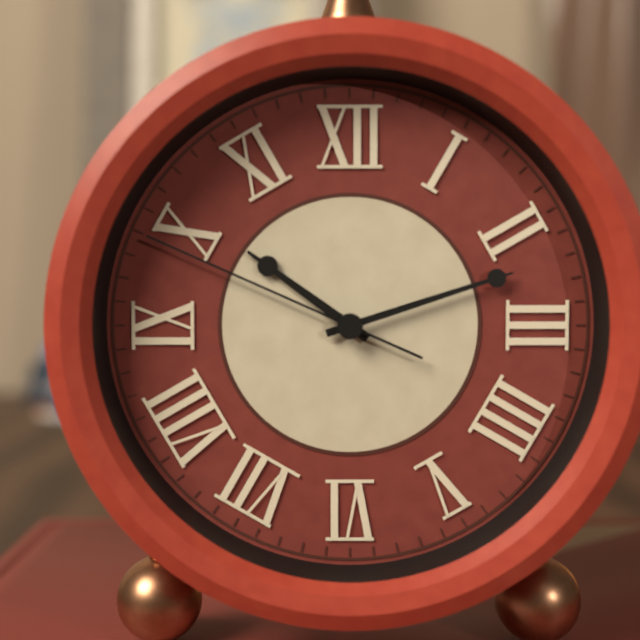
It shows 10,12,49
